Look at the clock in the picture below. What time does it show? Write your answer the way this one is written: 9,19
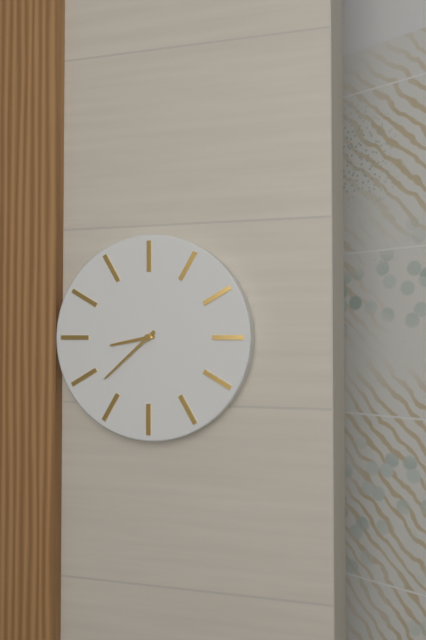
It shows 8,38
